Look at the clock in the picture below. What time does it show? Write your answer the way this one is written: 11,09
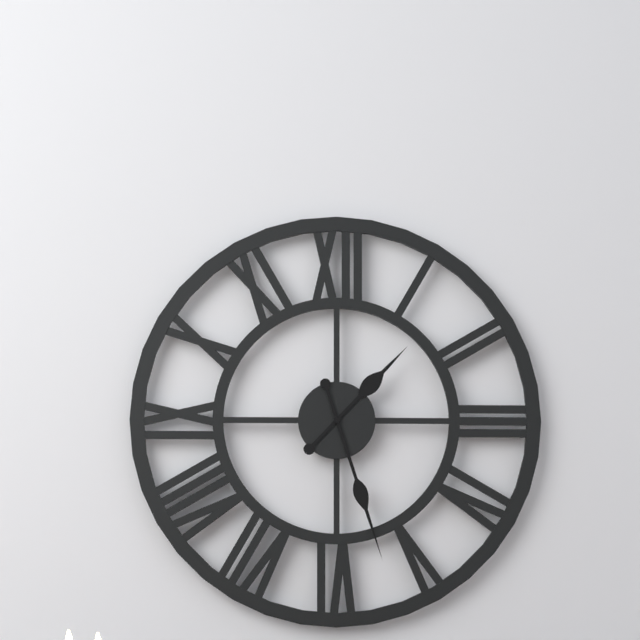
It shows 1,27
